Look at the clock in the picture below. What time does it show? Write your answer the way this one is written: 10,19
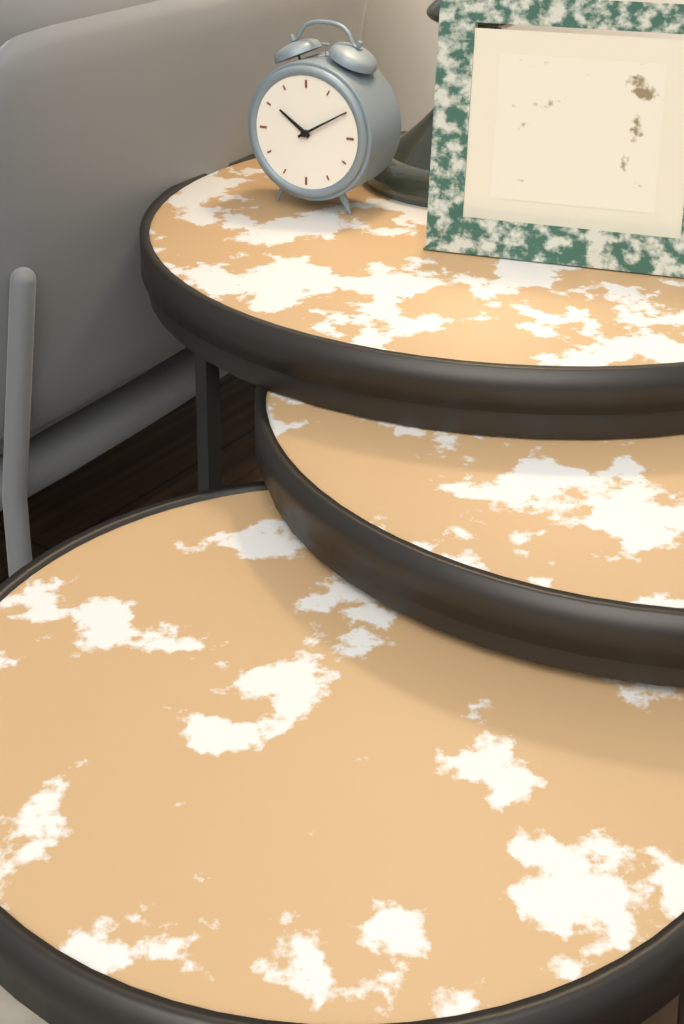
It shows 10,10
